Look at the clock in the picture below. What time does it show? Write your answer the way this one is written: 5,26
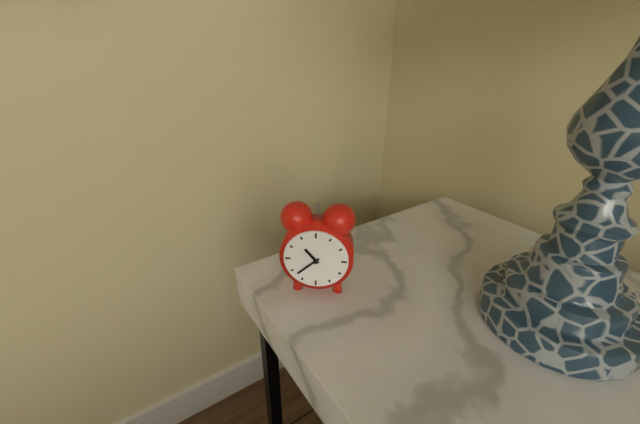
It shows 10,38
